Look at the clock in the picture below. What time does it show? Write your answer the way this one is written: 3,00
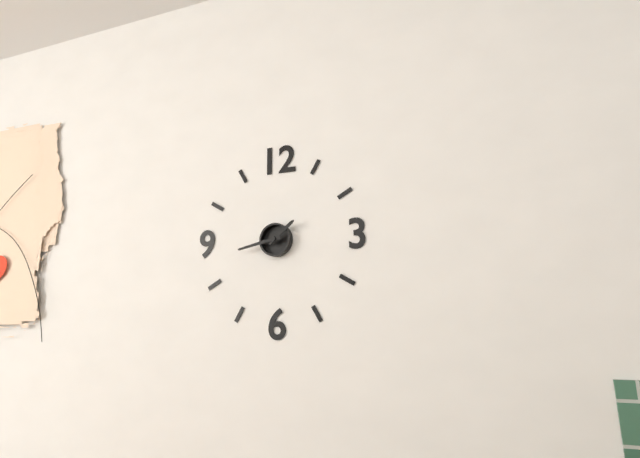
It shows 1,43
